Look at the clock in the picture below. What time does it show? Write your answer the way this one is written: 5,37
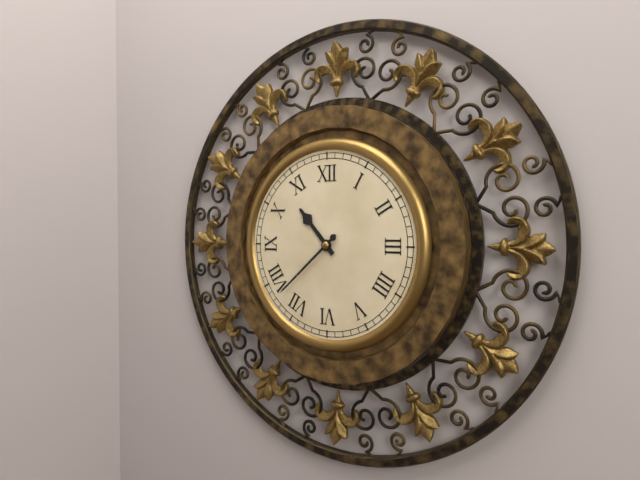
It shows 10,38
